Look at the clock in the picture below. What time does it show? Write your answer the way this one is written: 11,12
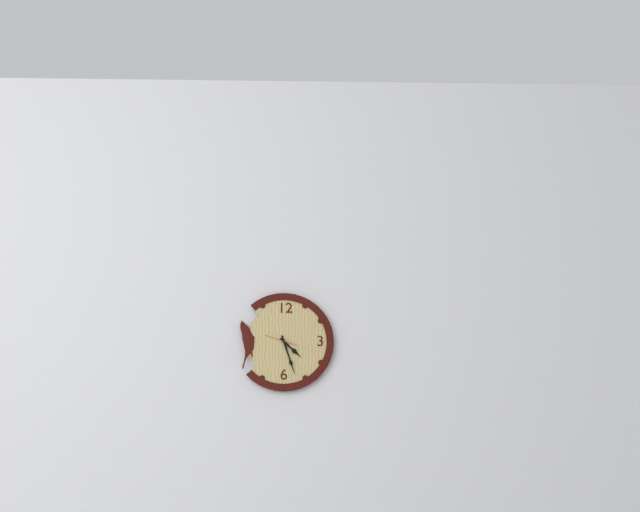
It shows 4,27
